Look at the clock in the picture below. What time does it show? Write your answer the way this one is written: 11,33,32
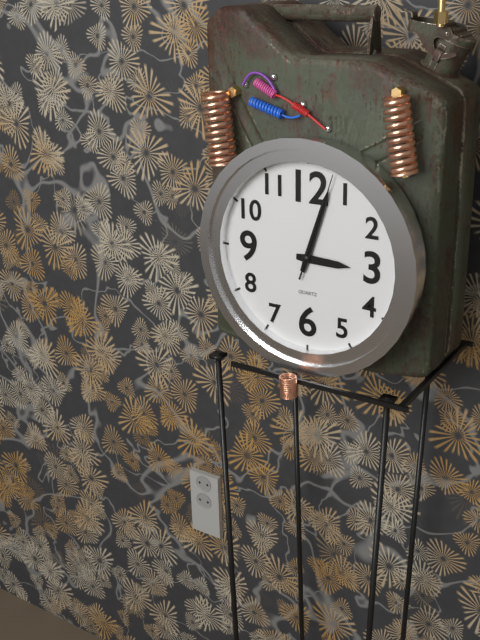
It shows 3,03,03
